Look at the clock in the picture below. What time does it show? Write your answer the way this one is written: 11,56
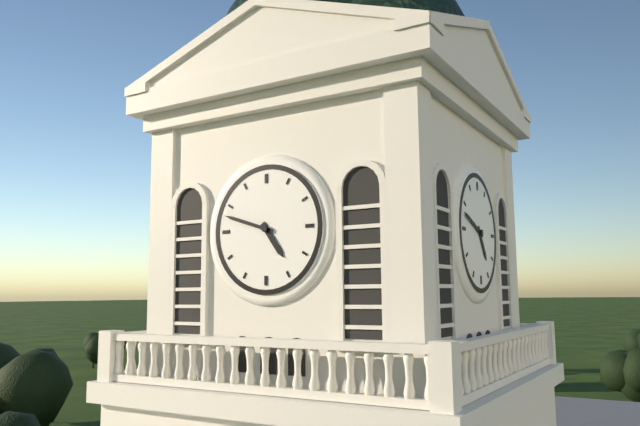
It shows 4,48
